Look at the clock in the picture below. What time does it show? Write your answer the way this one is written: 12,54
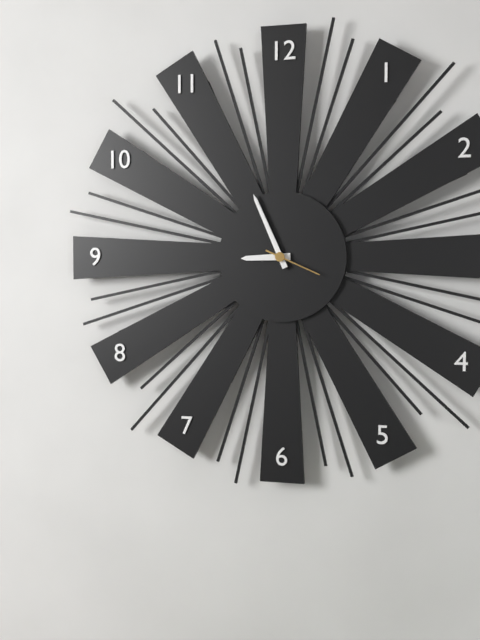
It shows 8,56
